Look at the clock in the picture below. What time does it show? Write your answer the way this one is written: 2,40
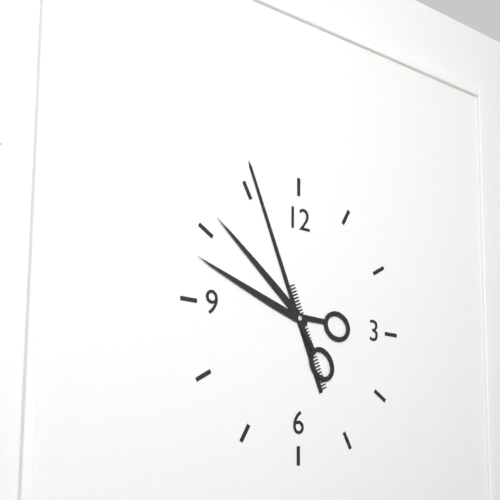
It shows 9,56
